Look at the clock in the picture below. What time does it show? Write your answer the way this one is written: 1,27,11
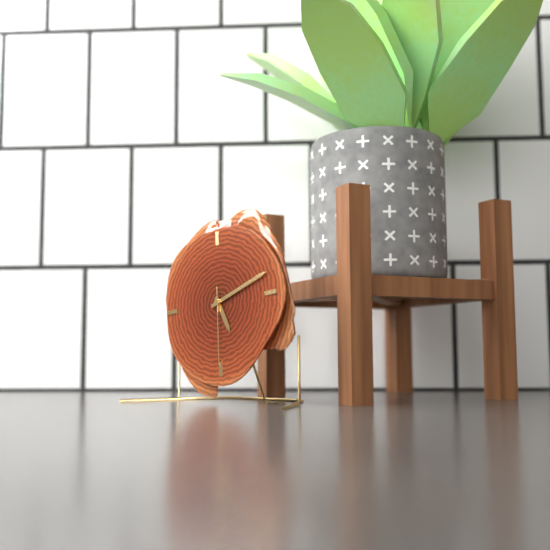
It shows 5,12,30
